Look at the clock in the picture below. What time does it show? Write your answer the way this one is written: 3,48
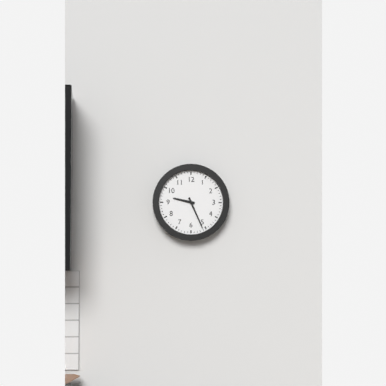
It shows 9,26
